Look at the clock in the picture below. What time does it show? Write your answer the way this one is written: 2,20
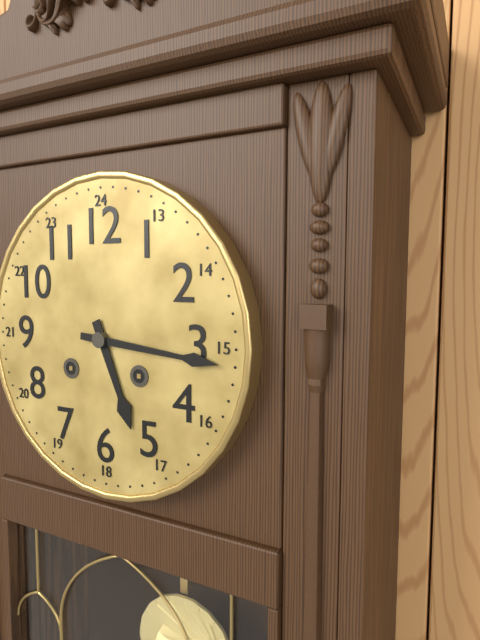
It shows 5,16
